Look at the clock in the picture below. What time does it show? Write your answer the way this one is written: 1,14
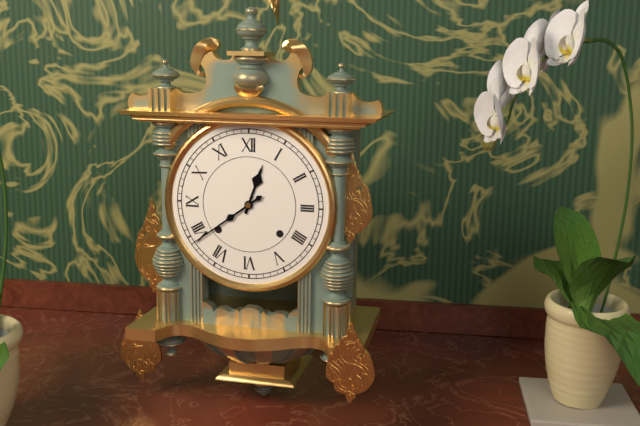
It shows 12,39
